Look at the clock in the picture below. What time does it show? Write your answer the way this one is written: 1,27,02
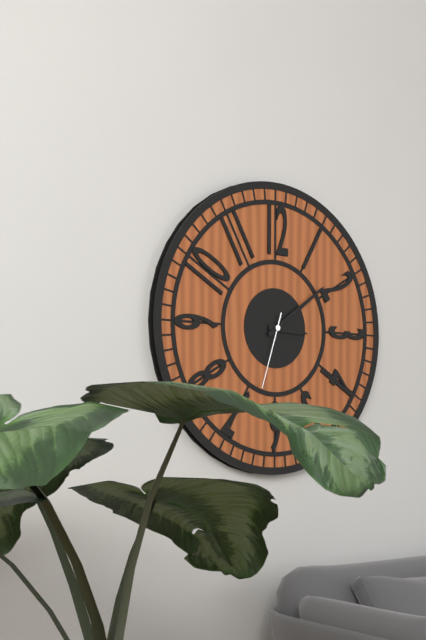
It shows 3,09,33
